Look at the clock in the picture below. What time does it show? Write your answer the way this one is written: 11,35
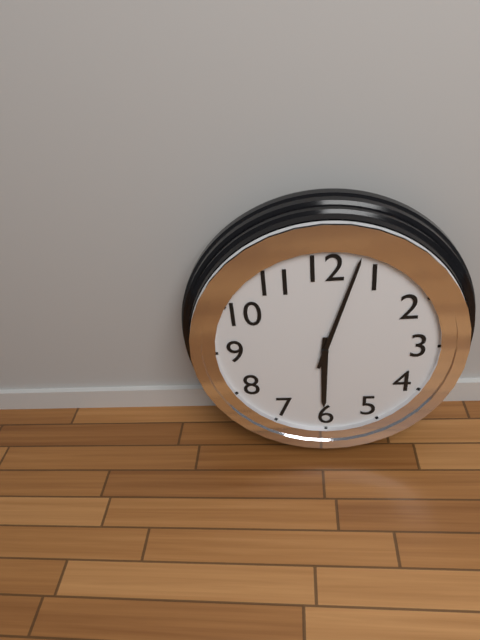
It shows 6,03
